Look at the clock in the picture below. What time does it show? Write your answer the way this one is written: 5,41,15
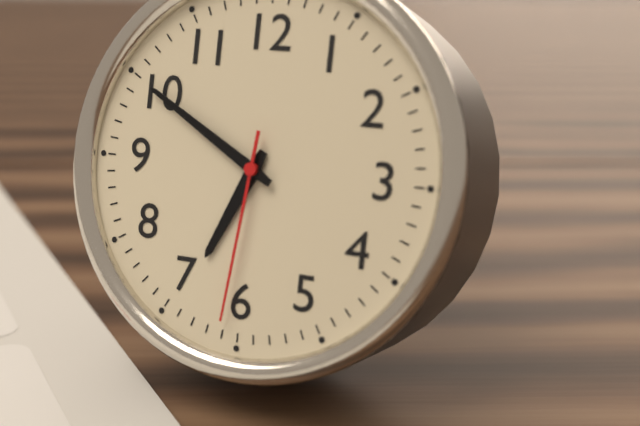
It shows 6,50,31
